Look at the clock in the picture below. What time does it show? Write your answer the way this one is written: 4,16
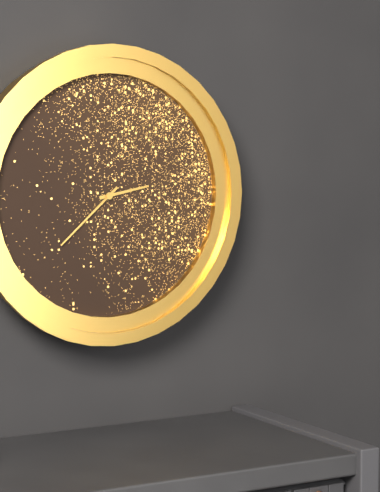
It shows 2,38
